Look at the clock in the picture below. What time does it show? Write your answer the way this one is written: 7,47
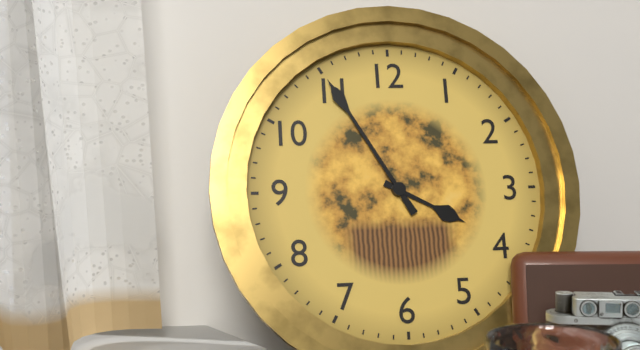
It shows 3,55
